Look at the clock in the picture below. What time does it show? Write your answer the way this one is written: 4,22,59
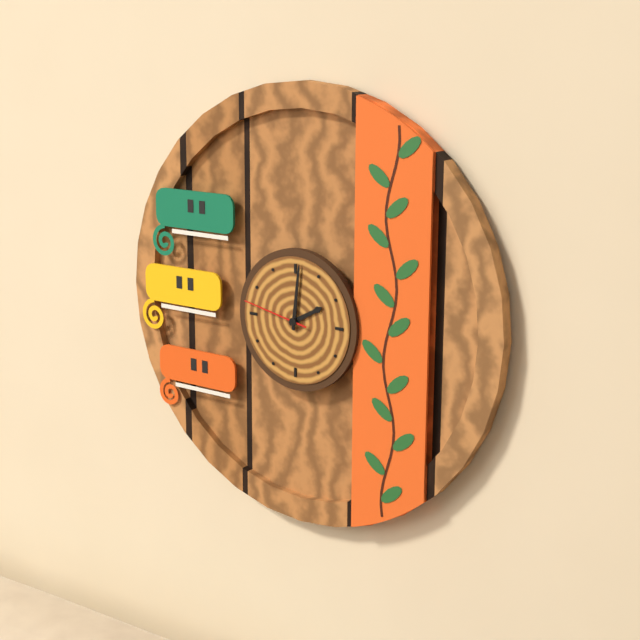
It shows 2,01,47
